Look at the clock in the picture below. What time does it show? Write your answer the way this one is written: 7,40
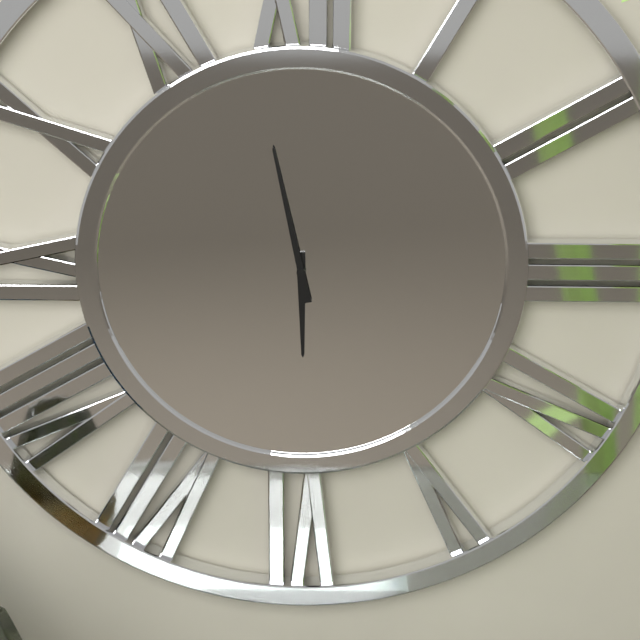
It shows 5,58
